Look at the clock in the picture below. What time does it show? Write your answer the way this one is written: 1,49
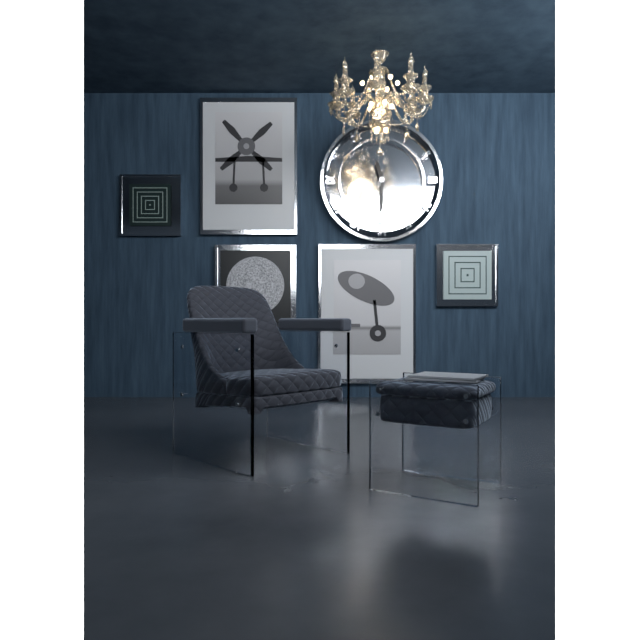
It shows 11,30
